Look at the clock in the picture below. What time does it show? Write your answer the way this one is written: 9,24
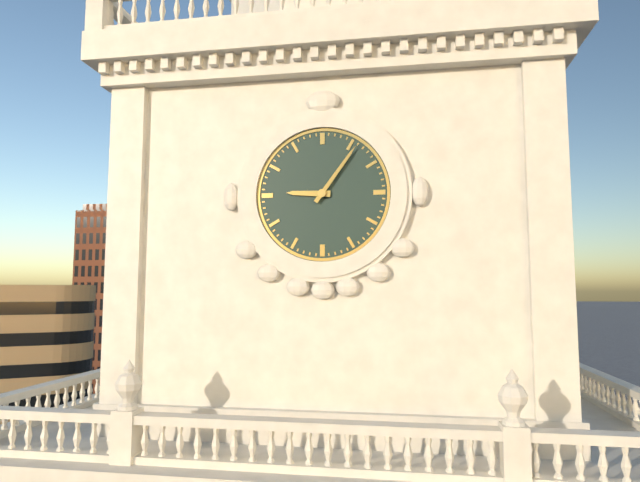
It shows 9,06
